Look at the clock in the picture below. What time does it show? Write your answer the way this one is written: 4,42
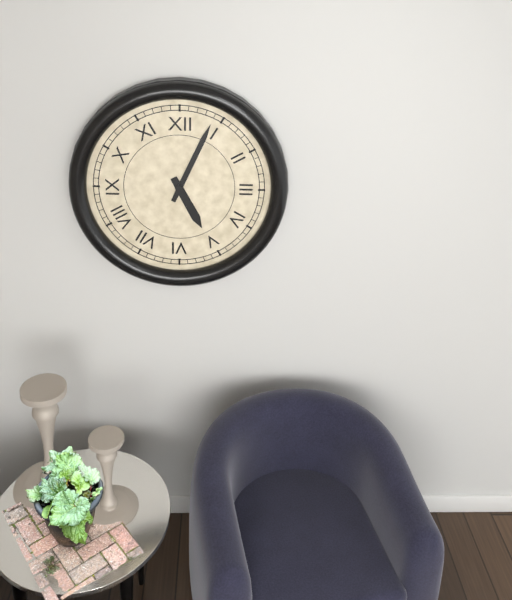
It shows 5,04
